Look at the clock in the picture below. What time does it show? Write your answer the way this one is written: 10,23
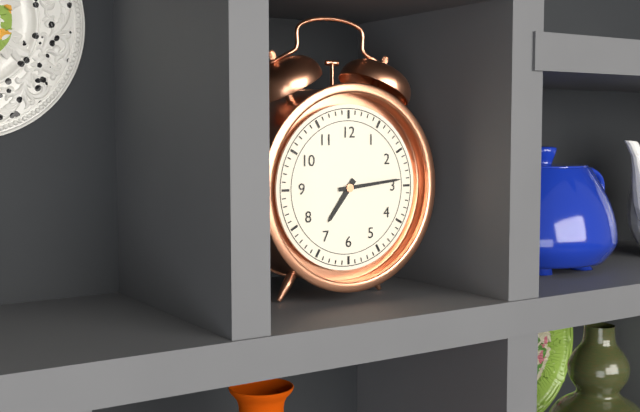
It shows 7,14
